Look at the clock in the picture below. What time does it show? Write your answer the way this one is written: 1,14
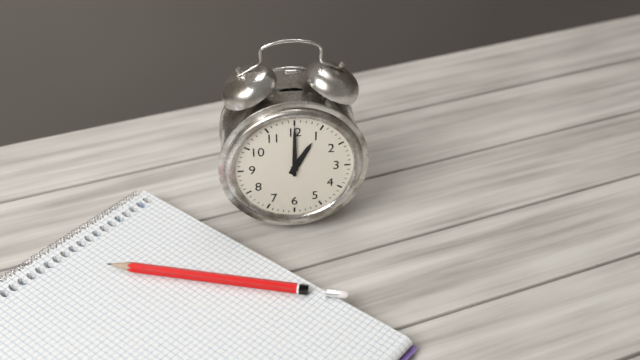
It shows 1,00
